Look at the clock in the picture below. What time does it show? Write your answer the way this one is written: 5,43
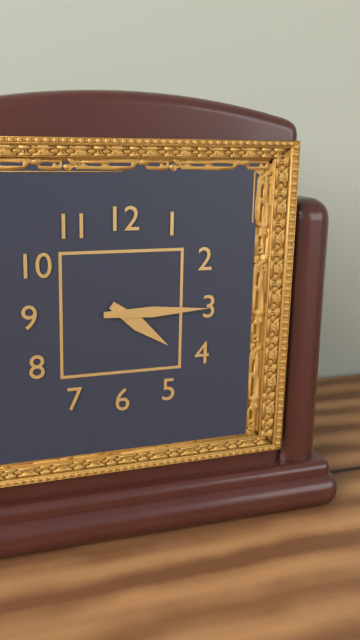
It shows 4,15
